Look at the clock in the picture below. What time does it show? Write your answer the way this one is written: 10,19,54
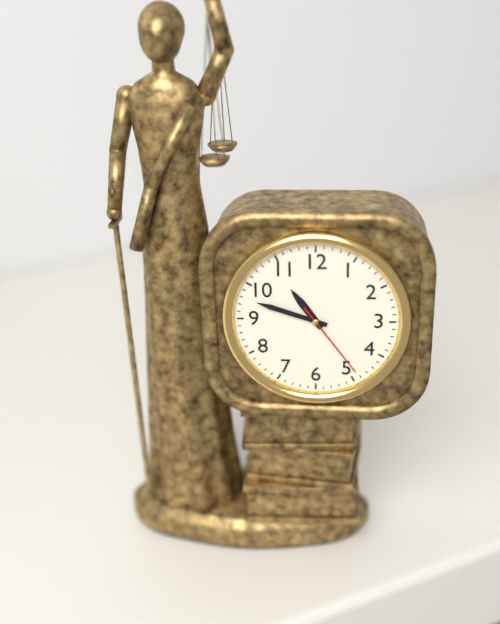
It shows 10,48,24
